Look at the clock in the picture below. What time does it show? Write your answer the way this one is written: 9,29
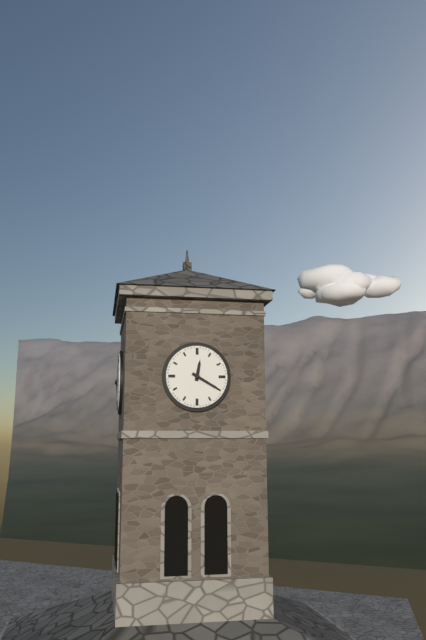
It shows 12,20
